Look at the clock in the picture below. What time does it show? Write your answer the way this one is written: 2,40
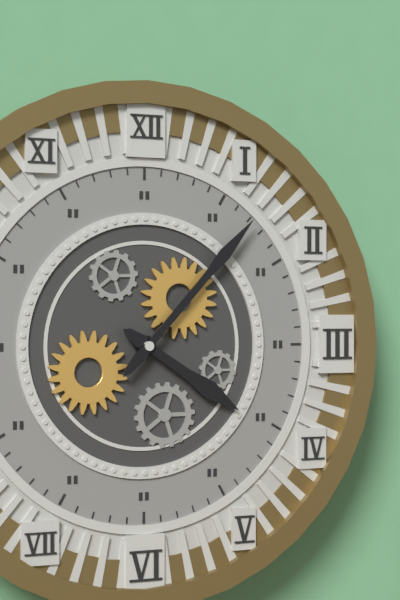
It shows 4,07
